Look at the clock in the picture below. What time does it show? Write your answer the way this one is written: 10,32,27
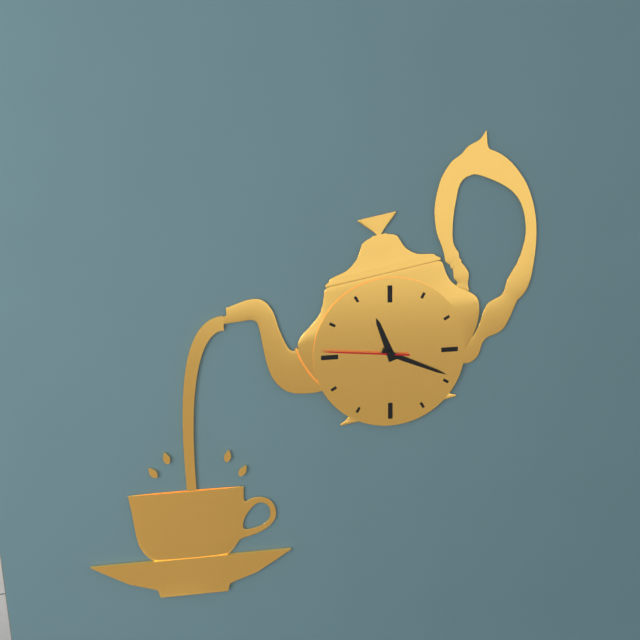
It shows 11,19,46
